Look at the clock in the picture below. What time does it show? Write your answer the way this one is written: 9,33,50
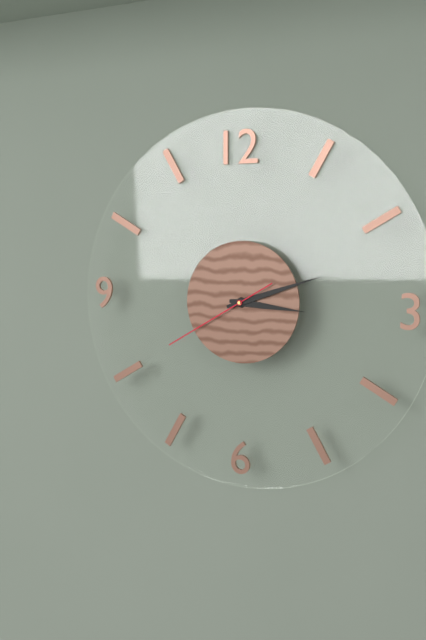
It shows 3,12,40
